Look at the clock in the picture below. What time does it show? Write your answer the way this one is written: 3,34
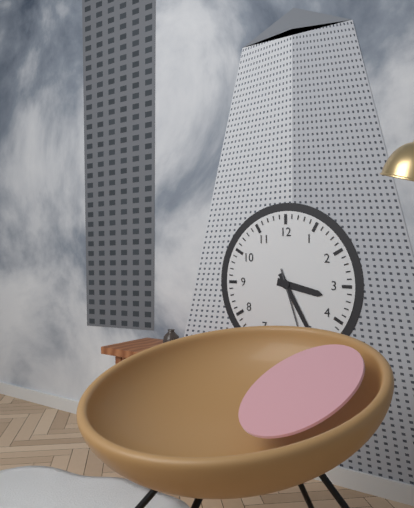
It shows 3,25
